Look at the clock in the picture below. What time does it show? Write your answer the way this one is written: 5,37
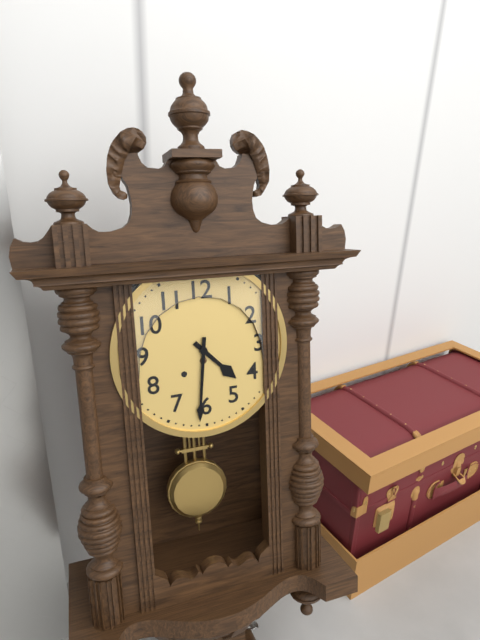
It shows 4,31
